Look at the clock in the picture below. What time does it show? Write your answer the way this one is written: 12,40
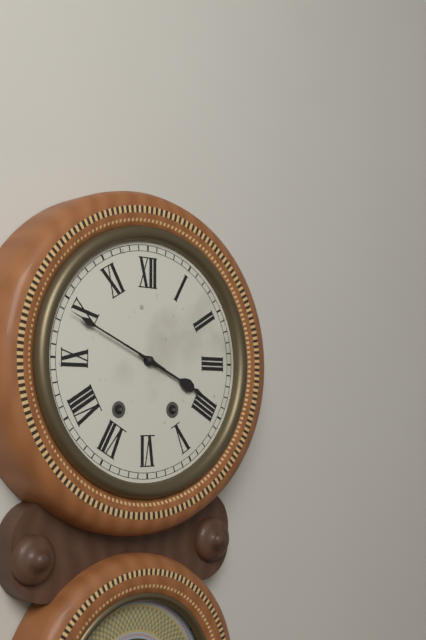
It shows 3,49
